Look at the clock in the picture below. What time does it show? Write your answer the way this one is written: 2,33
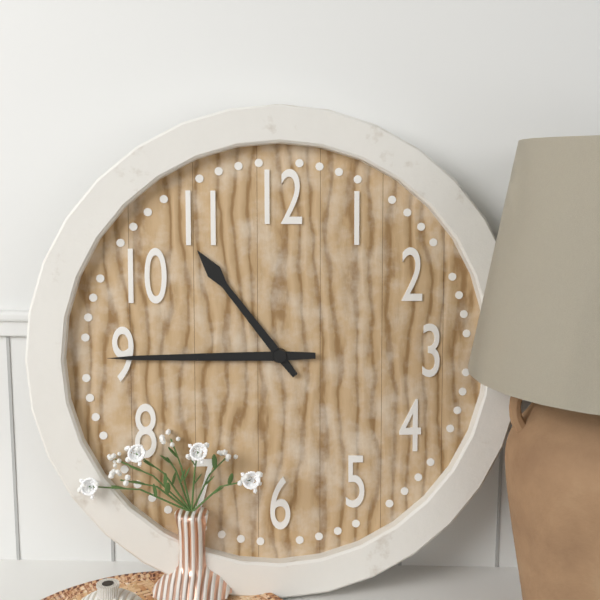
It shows 10,45
